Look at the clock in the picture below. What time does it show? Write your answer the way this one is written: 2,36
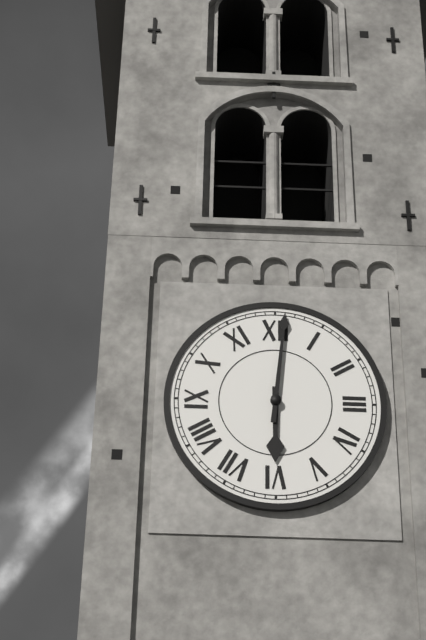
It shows 6,01
